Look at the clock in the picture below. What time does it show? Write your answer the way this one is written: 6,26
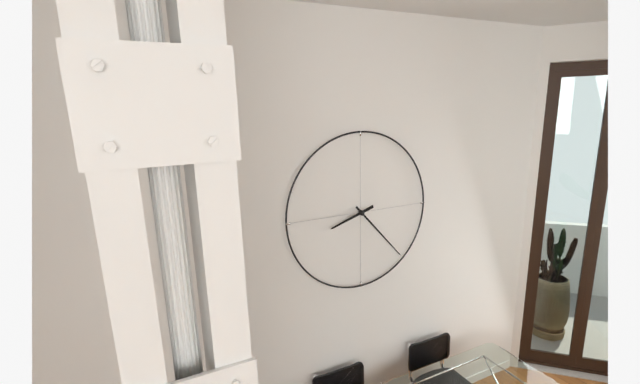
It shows 8,23
